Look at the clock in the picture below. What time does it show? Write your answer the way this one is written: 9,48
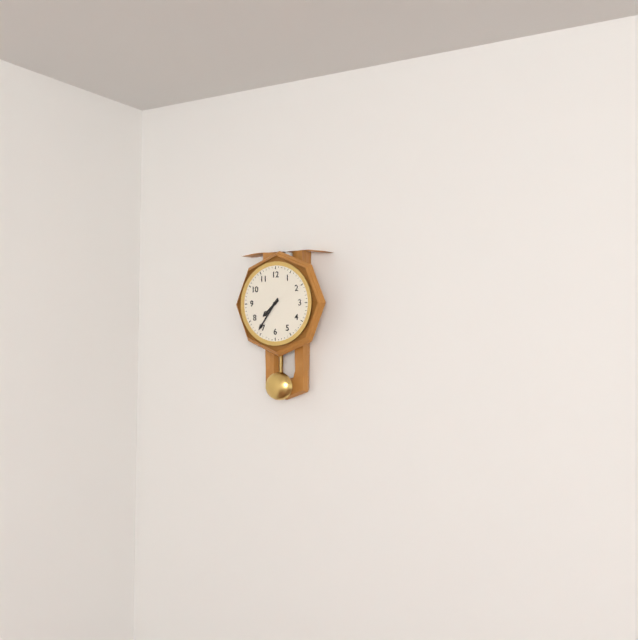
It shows 7,36
